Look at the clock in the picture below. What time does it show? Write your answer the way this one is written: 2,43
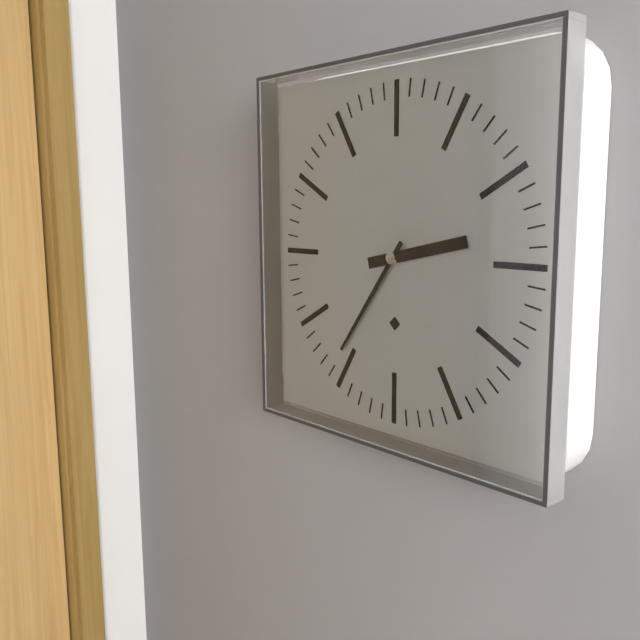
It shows 2,36
